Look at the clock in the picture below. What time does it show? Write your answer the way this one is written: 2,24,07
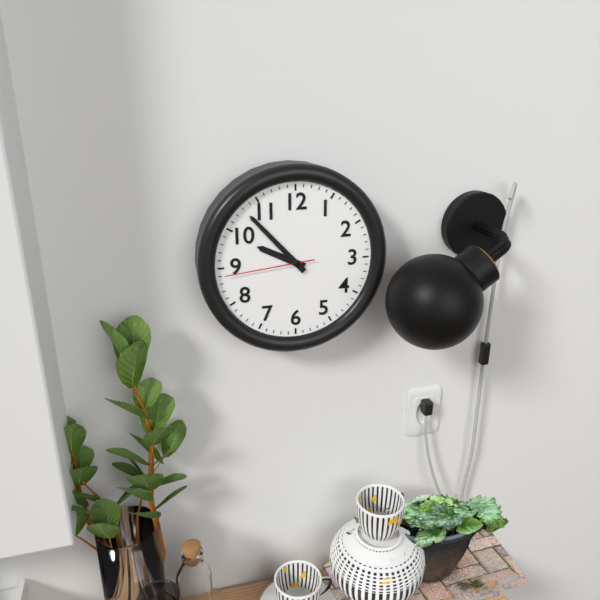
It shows 9,53,44
